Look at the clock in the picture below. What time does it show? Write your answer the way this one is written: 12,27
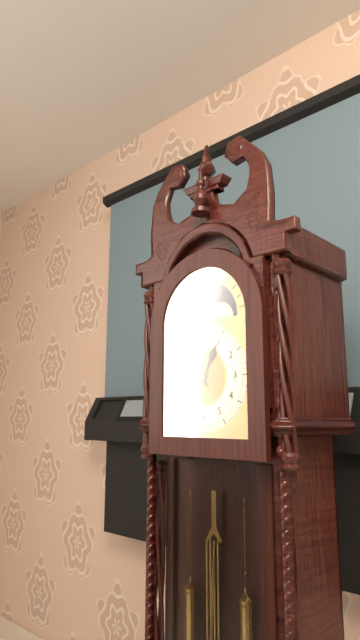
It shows 12,56
